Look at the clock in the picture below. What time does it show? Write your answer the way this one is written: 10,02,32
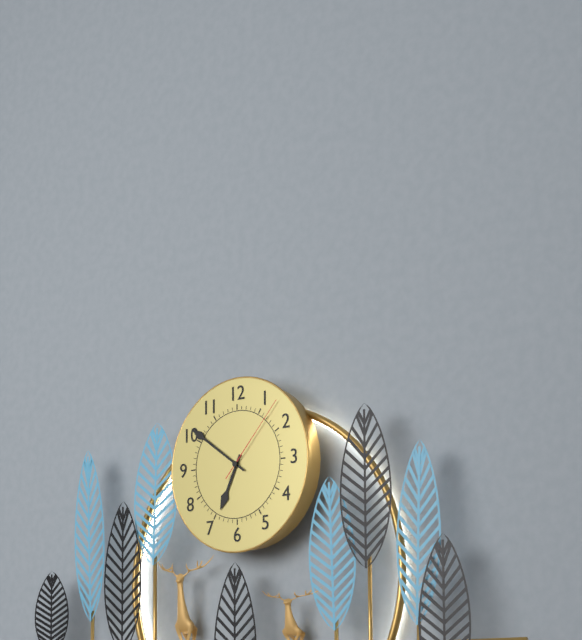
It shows 6,51,07
